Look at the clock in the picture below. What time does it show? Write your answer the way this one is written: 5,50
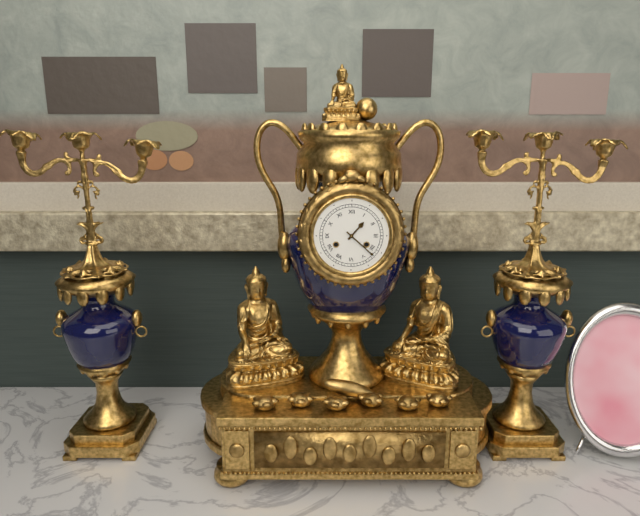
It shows 1,22
